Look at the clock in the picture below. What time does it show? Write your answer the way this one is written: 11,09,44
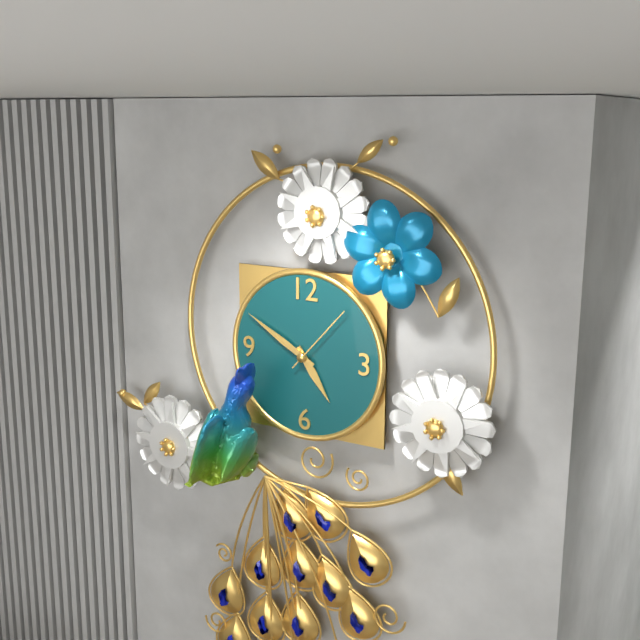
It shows 4,50,07
